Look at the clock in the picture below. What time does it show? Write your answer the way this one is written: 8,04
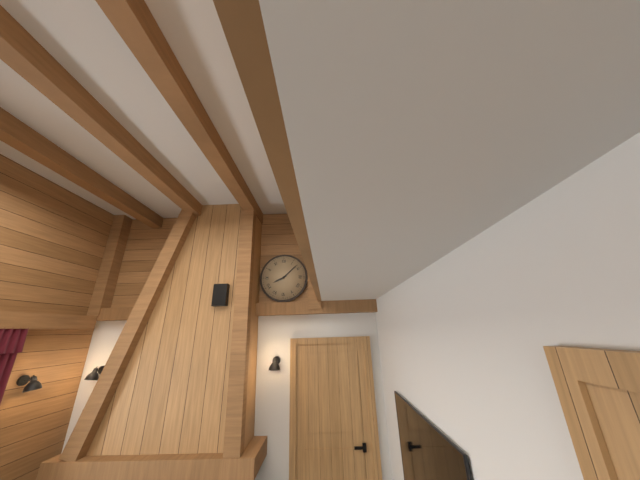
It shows 8,08
